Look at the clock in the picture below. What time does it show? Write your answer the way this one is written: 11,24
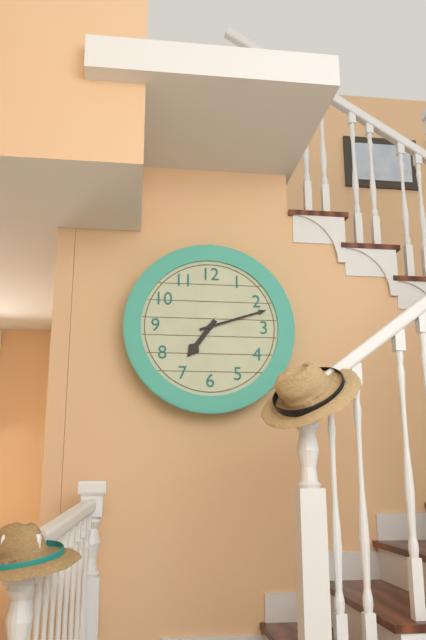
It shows 7,12
